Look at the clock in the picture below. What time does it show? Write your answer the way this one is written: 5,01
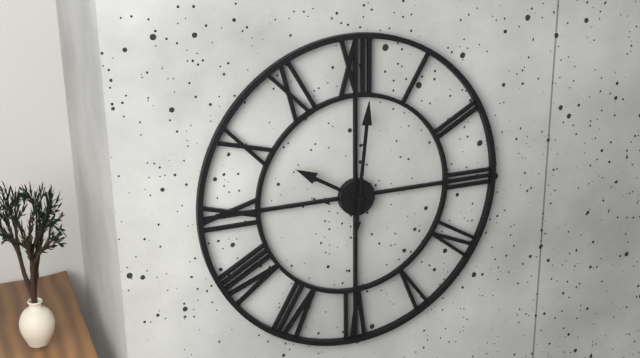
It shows 10,01
